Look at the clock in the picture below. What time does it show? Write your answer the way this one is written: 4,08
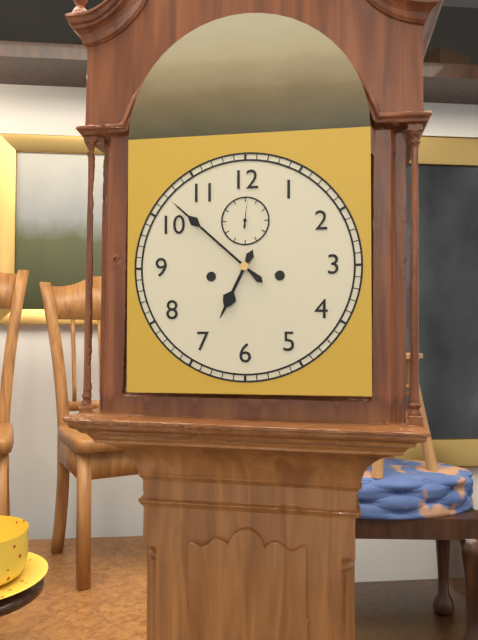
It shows 6,52
